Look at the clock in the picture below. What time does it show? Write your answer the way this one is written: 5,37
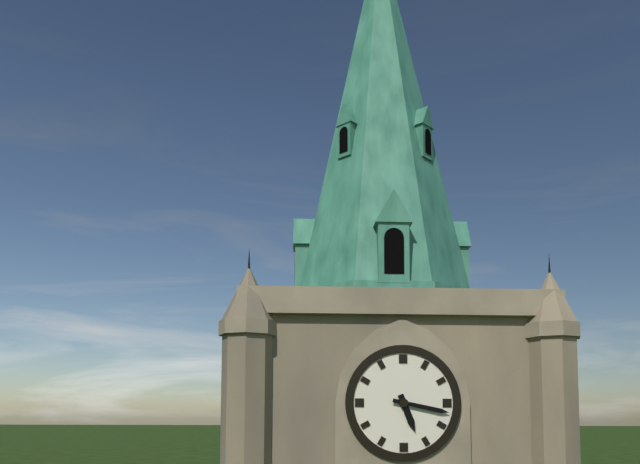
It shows 5,17
